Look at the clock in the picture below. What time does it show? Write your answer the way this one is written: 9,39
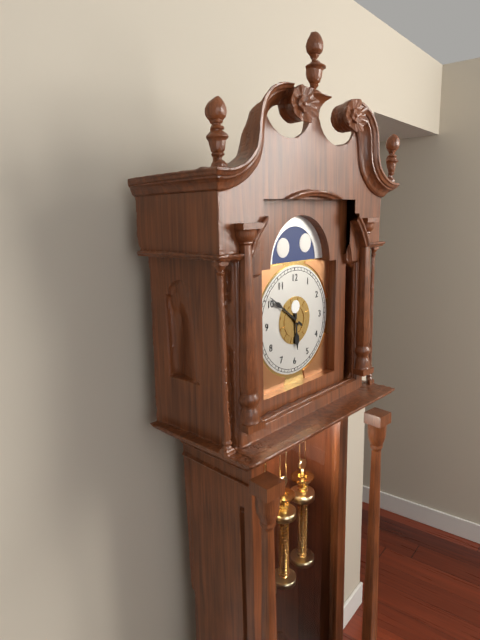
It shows 5,51
